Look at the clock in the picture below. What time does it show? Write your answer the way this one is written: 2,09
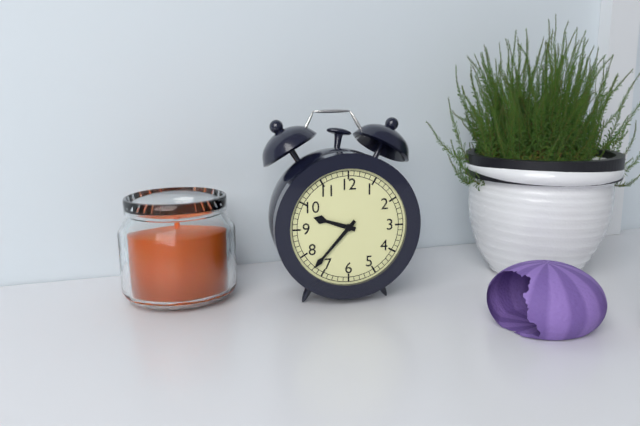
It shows 9,37
